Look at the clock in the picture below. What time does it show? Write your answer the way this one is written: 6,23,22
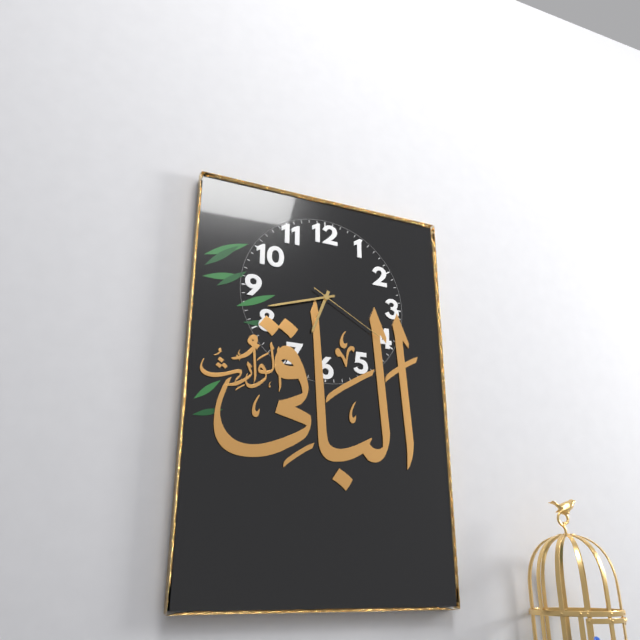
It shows 6,42,20
